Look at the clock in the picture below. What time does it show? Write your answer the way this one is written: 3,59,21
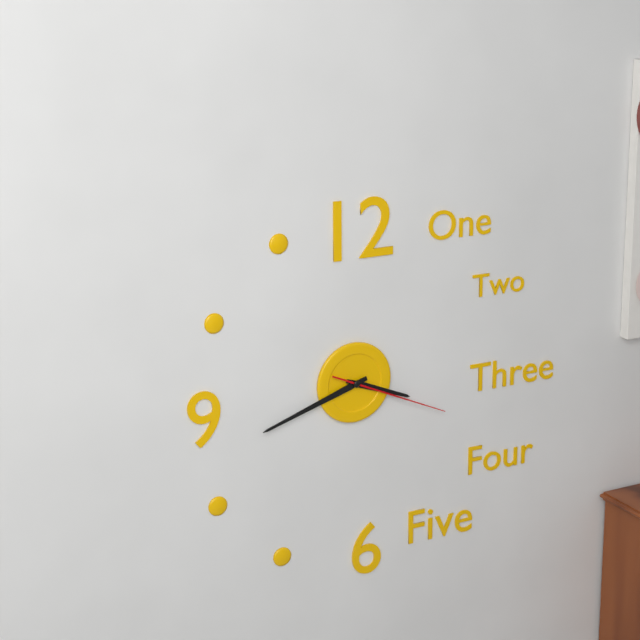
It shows 3,42,19
